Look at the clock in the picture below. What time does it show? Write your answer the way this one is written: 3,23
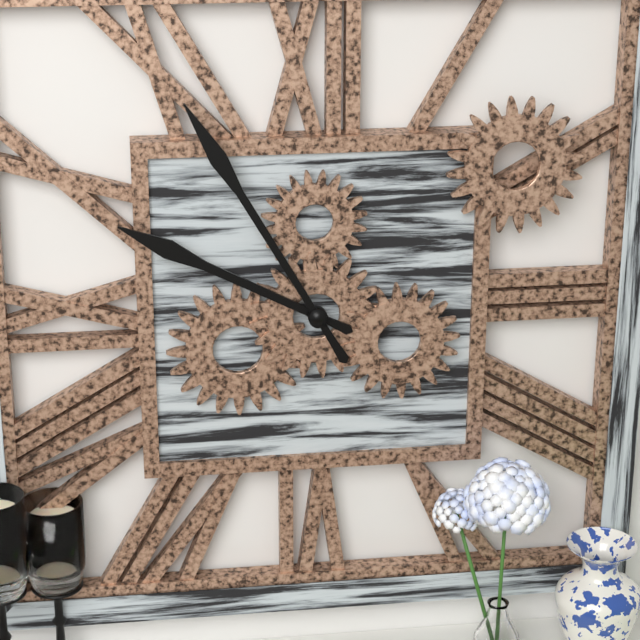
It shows 9,55
